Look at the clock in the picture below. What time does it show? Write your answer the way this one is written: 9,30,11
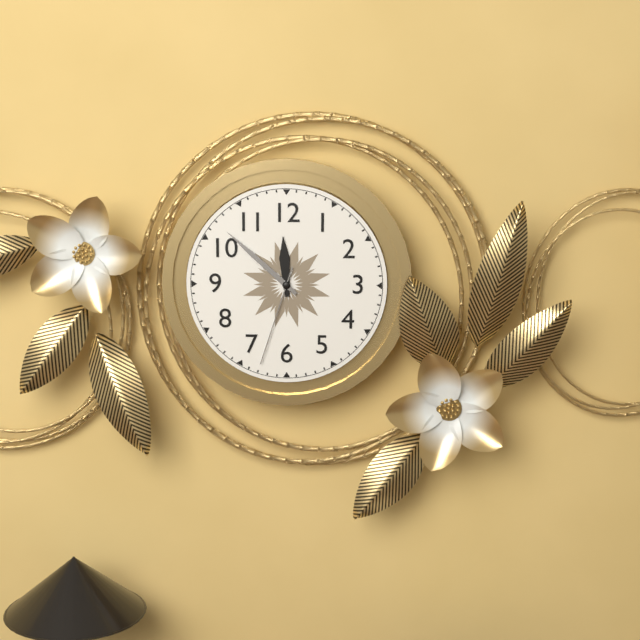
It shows 11,52,33
